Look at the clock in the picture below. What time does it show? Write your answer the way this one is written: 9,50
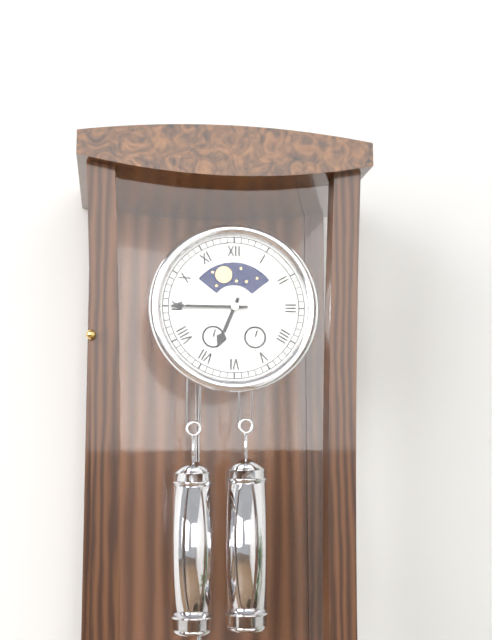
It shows 6,45
